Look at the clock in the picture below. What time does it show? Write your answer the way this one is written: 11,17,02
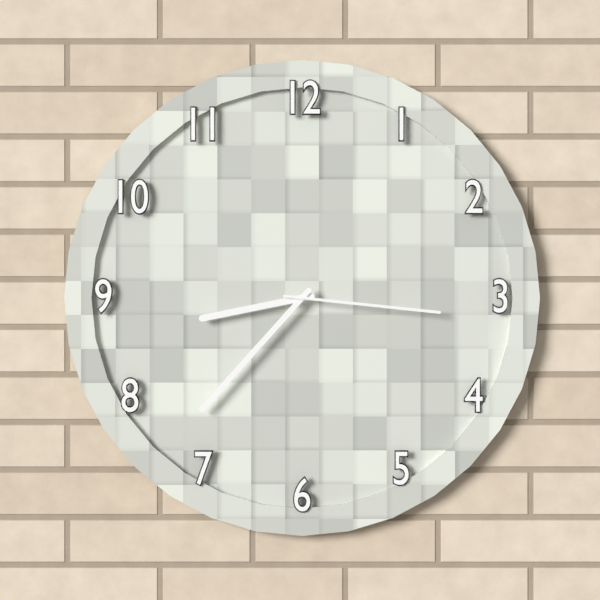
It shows 8,37,16
